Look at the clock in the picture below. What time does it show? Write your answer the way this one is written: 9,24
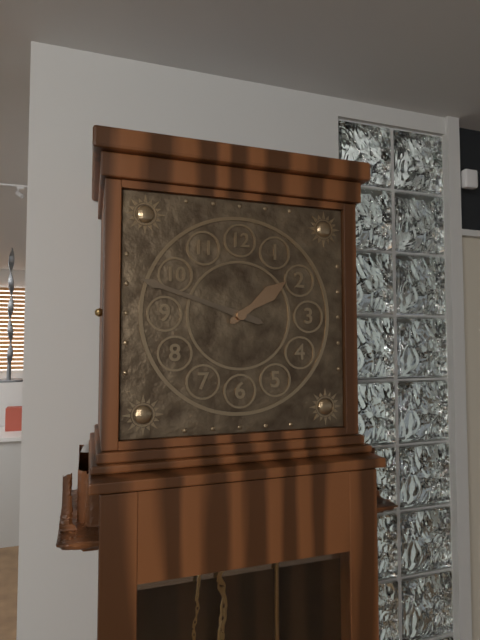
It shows 1,48
